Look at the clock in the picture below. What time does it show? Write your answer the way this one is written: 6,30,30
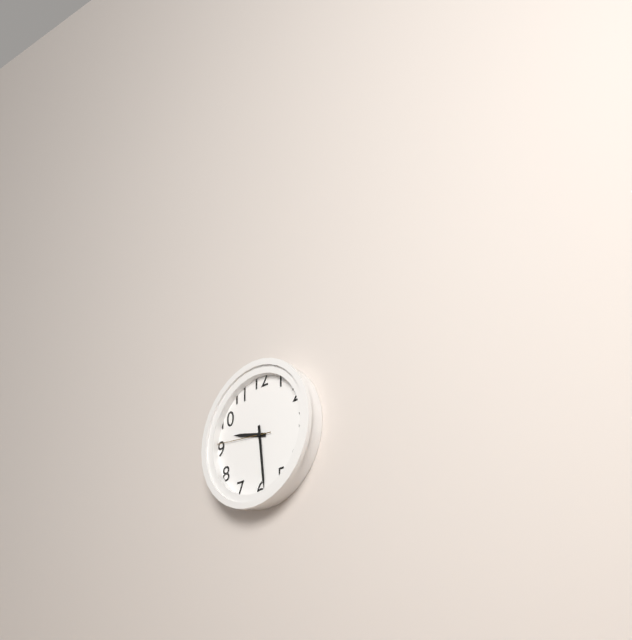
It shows 9,29,46
